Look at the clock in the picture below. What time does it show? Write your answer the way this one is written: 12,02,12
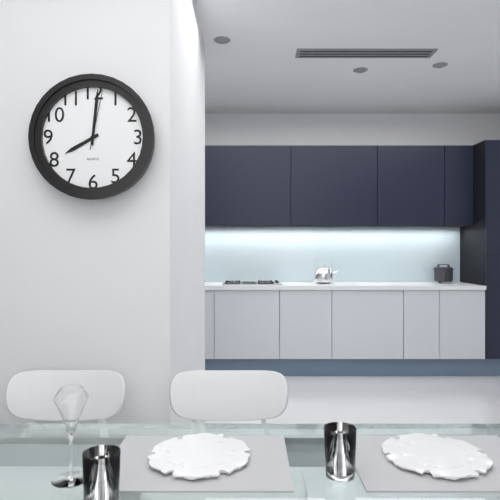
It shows 8,01,02
